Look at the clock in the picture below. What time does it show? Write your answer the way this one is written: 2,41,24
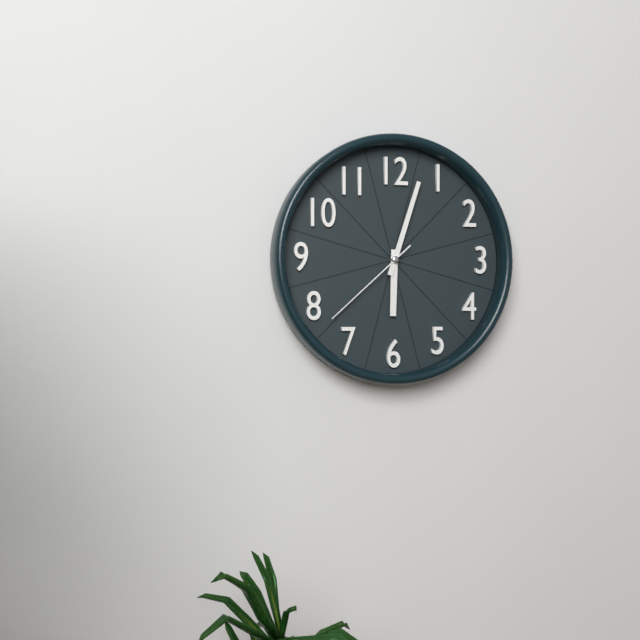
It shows 6,03,38
